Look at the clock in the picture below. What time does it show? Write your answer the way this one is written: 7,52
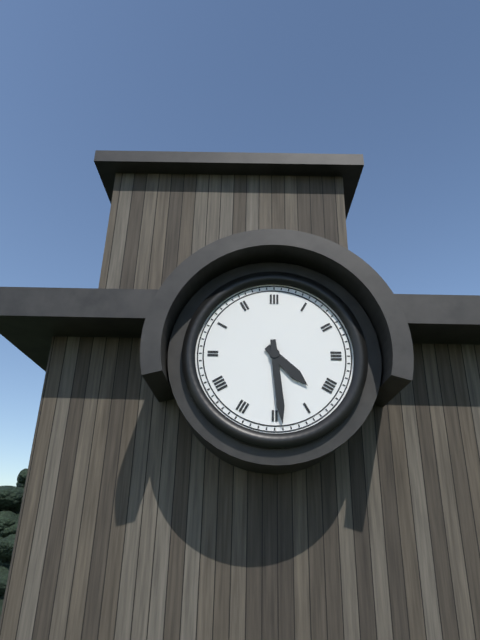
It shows 4,29
